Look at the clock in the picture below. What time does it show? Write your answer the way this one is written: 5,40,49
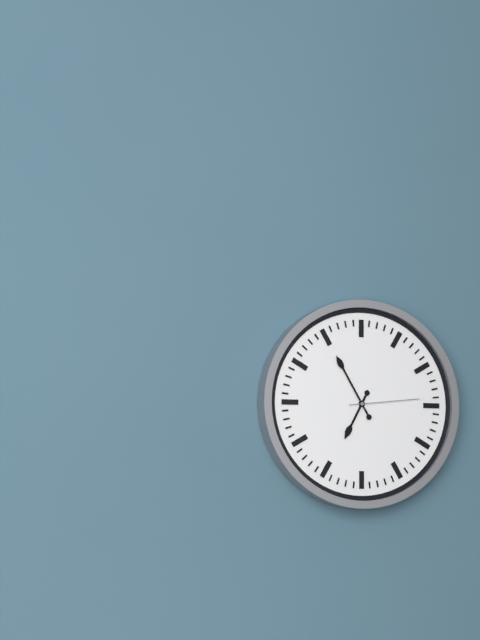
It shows 6,55,14
